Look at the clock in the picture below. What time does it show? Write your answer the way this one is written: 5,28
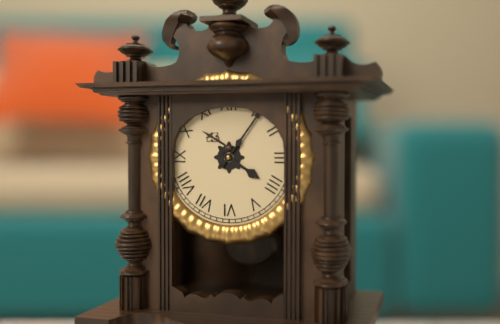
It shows 4,06
